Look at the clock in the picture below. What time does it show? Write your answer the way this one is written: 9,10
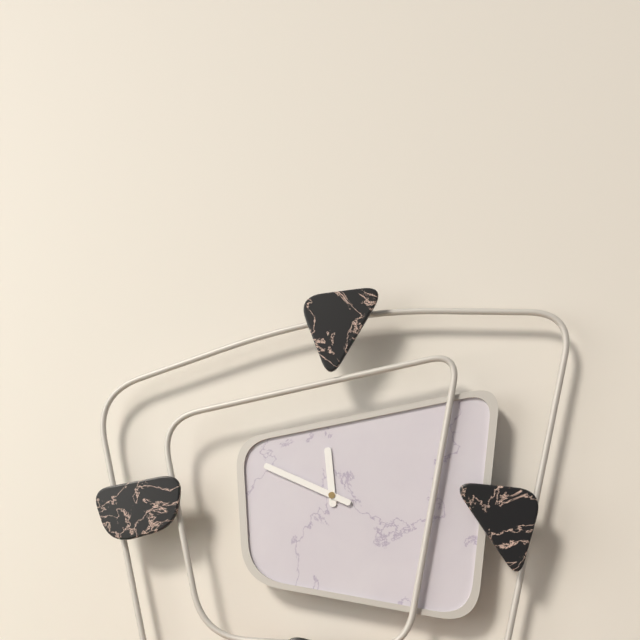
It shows 11,49
